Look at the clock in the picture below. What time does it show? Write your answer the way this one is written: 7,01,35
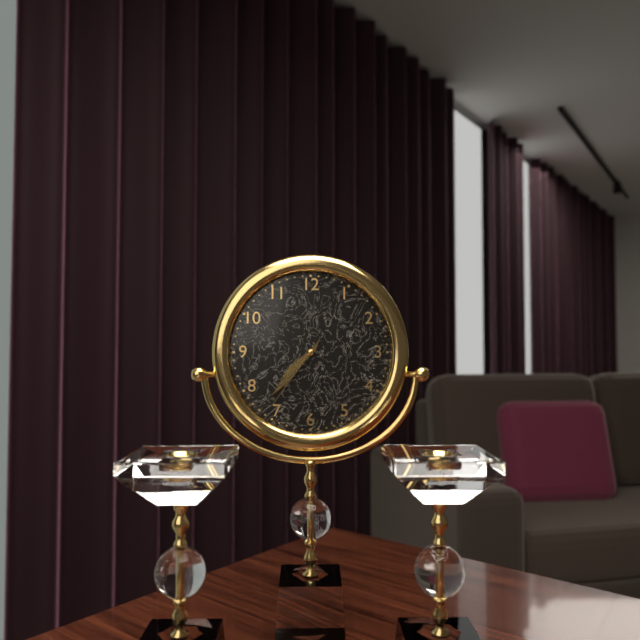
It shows 7,37,36
